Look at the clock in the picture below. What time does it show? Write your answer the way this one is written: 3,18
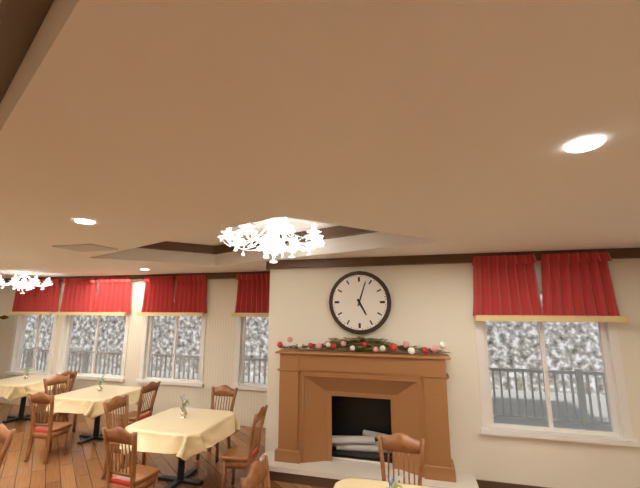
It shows 5,03
